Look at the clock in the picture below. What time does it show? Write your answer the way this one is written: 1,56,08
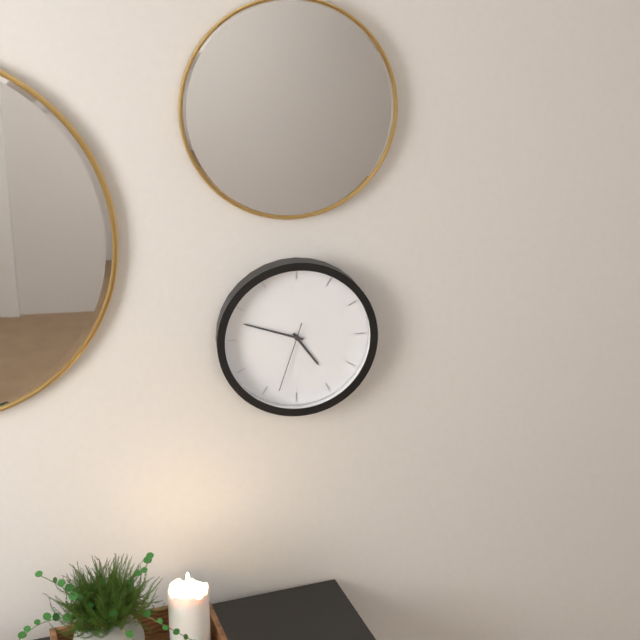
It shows 4,48,33
